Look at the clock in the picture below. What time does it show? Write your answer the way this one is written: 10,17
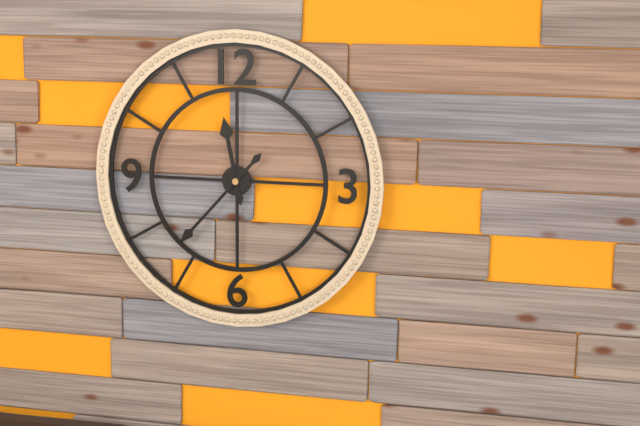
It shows 11,37
